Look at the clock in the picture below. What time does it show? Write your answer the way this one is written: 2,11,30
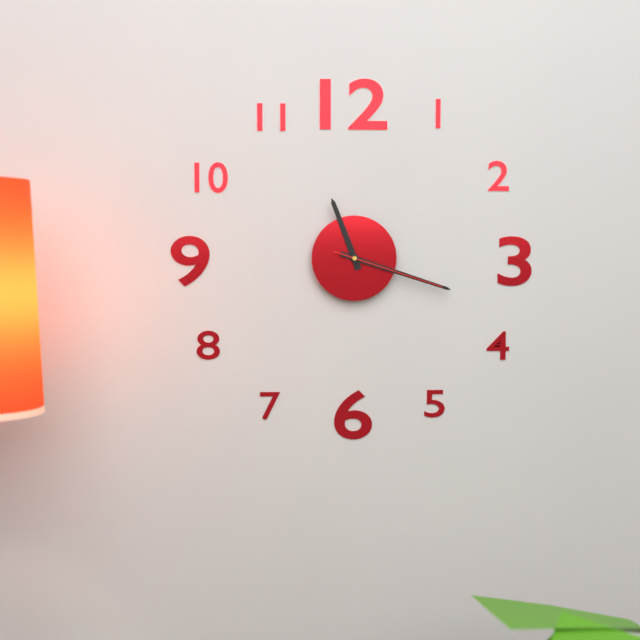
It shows 11,18,18
